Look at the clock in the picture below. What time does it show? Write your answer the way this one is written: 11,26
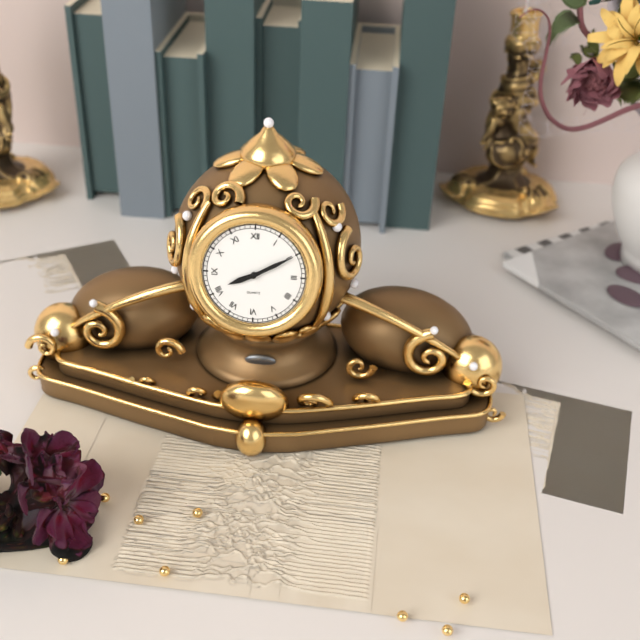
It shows 8,10
